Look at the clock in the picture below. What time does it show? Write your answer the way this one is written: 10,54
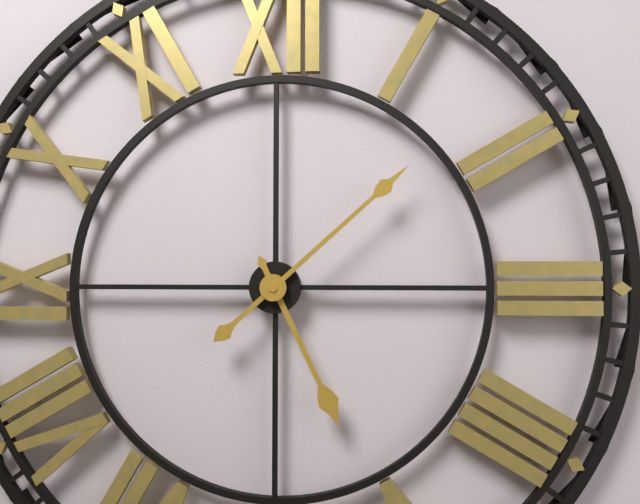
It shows 5,08
